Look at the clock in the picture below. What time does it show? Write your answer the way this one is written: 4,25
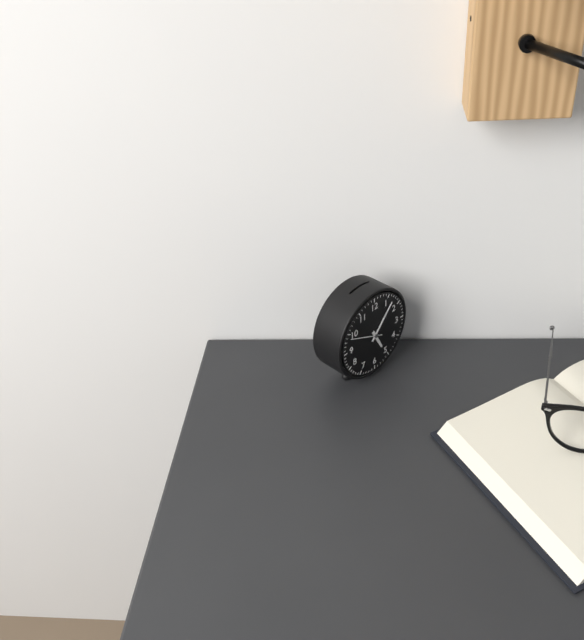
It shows 5,07
